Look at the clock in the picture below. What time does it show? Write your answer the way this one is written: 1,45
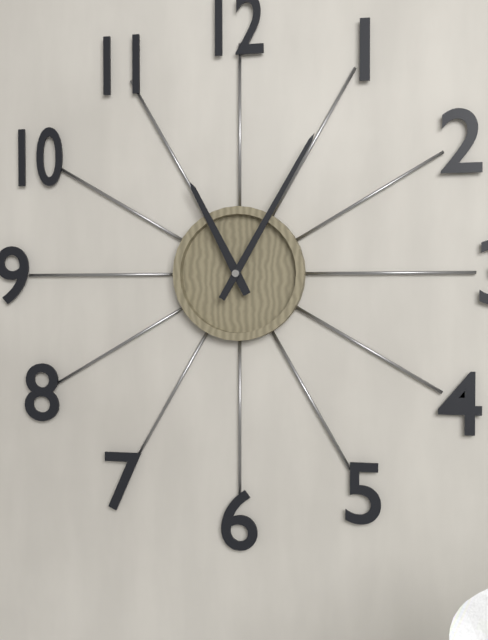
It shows 11,05
